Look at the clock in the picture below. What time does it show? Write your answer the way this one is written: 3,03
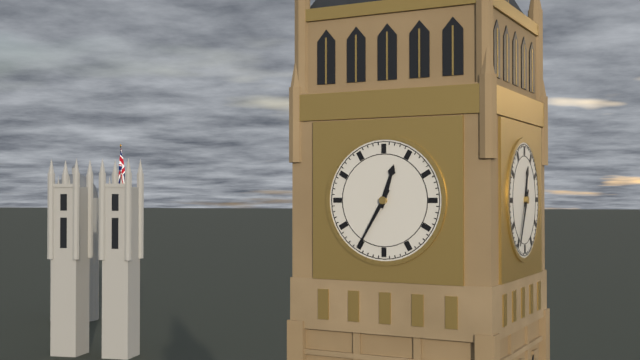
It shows 12,35
